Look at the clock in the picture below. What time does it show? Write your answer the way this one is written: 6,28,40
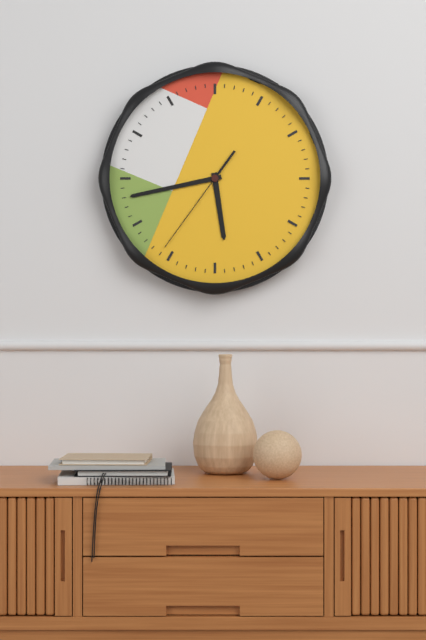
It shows 5,43,36
